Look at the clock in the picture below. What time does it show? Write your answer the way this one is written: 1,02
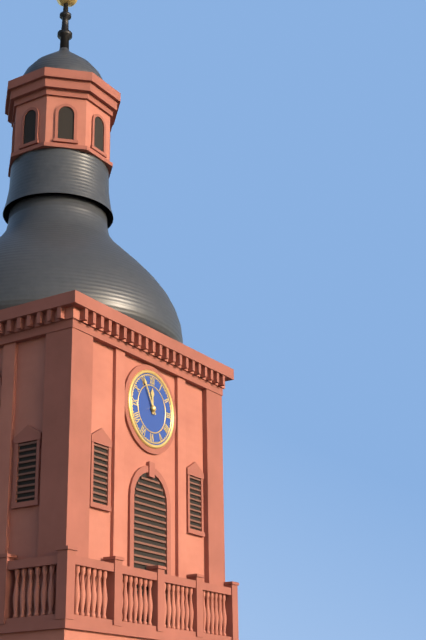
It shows 11,55
